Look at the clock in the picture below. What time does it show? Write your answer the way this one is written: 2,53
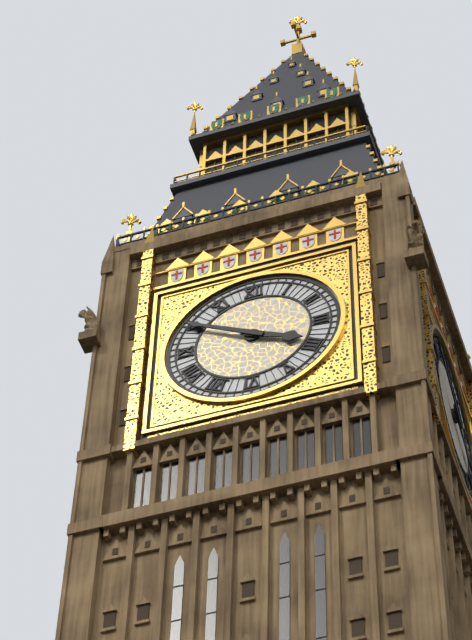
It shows 3,50
